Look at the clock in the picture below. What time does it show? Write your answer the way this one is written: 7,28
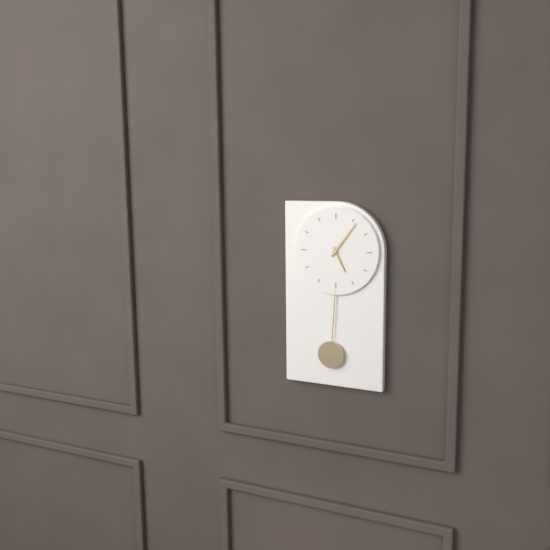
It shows 5,06
